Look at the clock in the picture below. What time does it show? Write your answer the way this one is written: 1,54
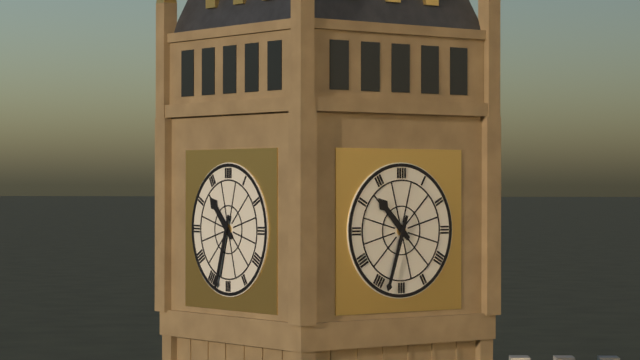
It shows 10,33
